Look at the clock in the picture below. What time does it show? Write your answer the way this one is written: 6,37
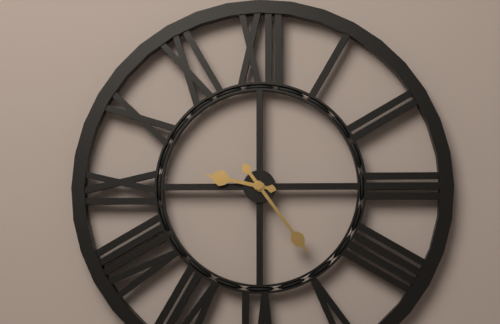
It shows 9,24
